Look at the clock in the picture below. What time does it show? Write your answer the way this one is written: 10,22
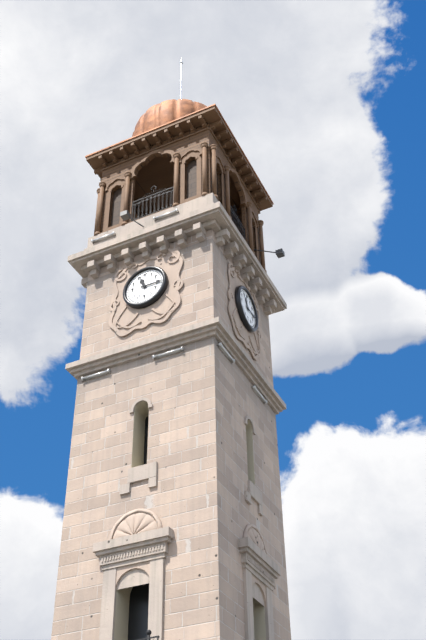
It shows 11,15
